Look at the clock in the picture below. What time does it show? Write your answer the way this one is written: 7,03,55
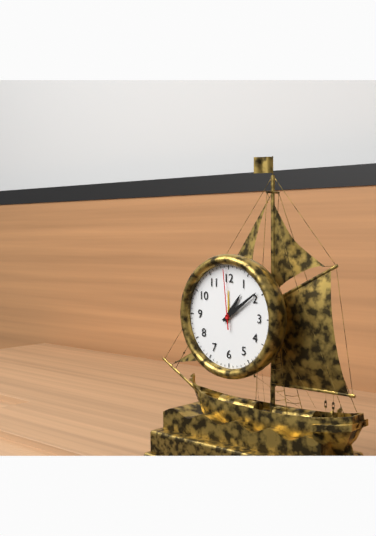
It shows 1,09,59
